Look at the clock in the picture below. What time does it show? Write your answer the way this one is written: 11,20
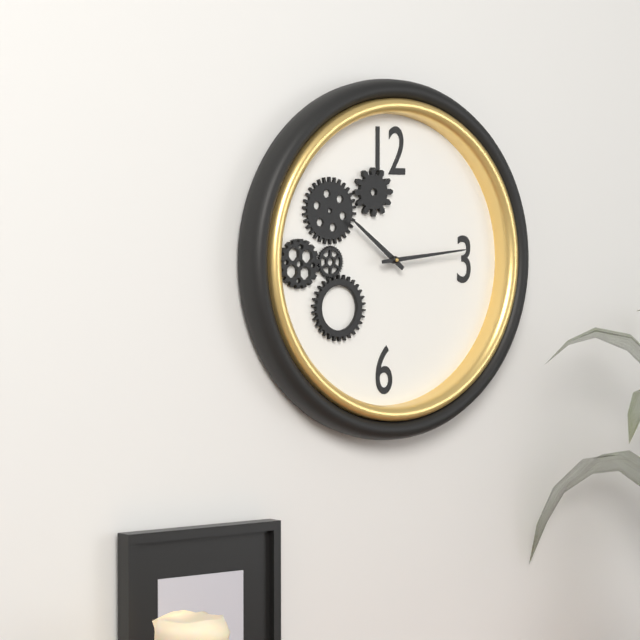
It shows 10,14
